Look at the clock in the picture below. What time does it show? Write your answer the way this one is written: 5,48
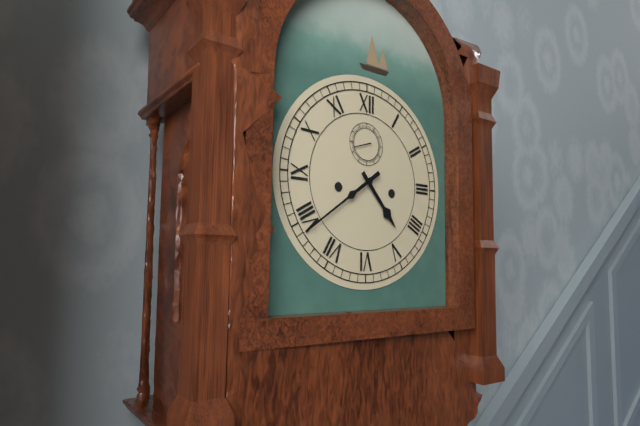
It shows 4,39
